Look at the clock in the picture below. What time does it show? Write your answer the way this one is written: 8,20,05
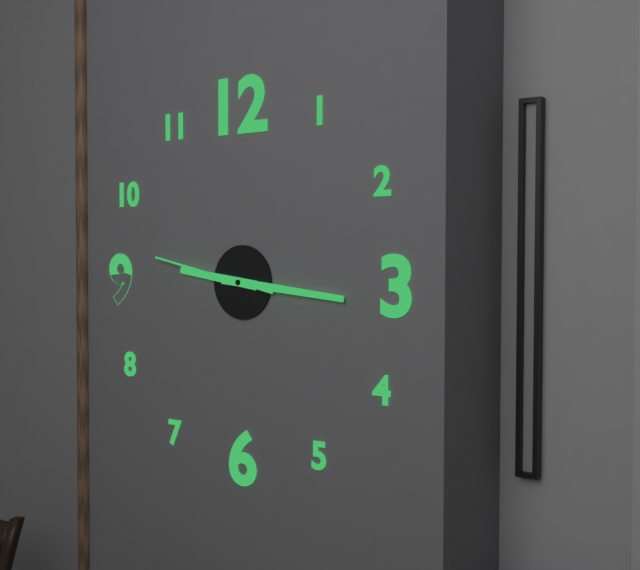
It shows 9,16,47
